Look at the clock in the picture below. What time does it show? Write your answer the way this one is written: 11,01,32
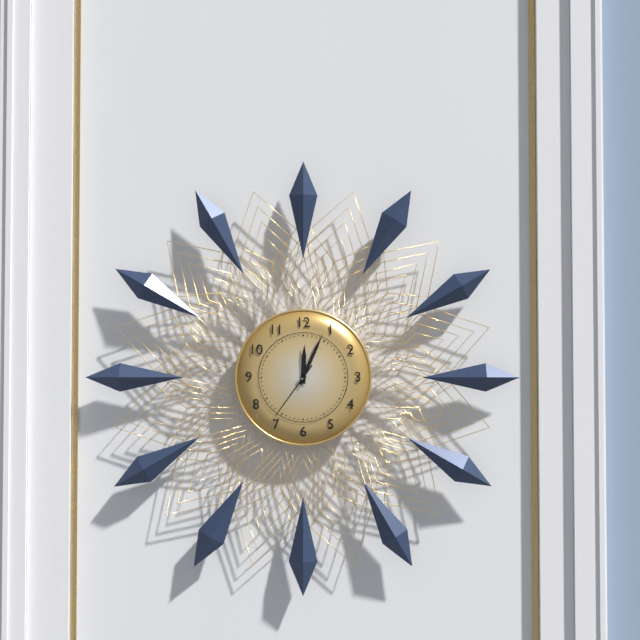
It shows 12,04,36
